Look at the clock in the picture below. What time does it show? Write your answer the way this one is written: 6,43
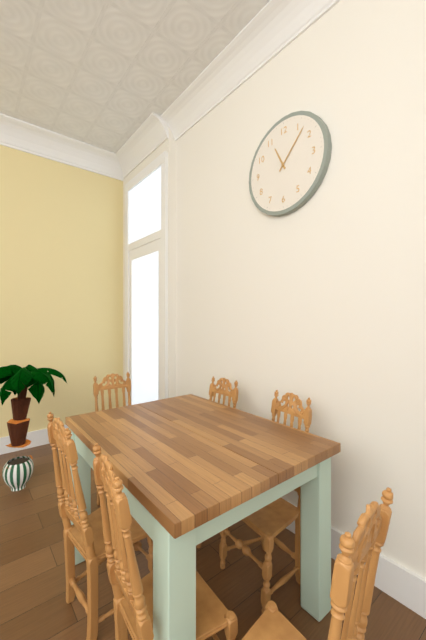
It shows 11,07
